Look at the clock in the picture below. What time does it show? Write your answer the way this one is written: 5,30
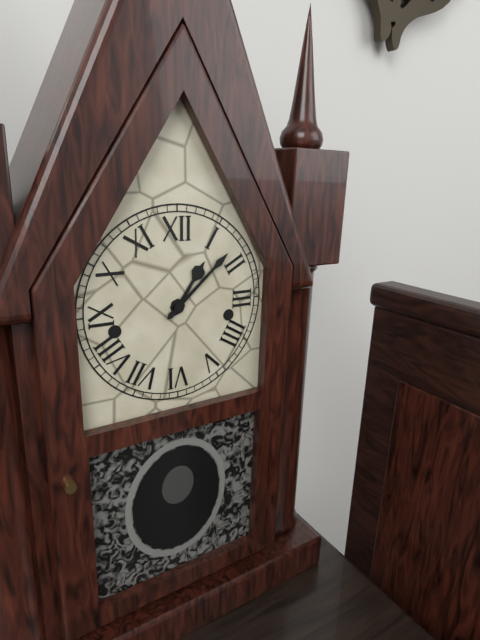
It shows 1,08
